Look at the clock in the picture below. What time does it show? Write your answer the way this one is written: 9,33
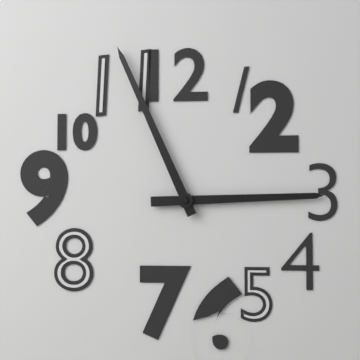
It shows 2,56
